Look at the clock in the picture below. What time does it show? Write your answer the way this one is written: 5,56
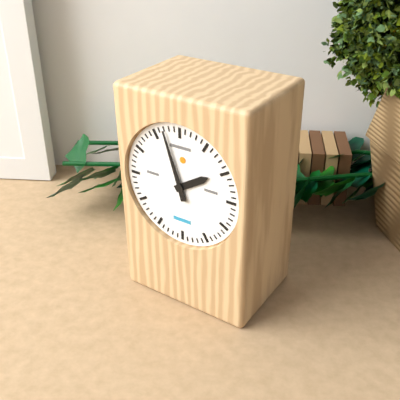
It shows 1,57
